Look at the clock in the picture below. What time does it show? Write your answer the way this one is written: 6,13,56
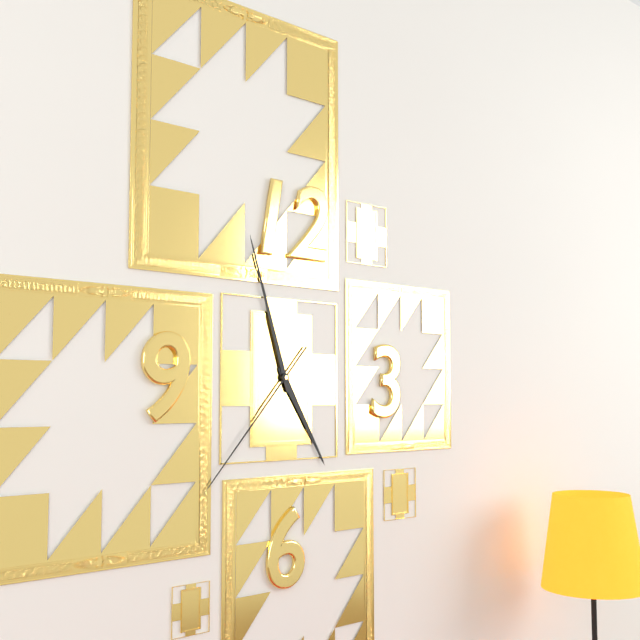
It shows 4,57,37
